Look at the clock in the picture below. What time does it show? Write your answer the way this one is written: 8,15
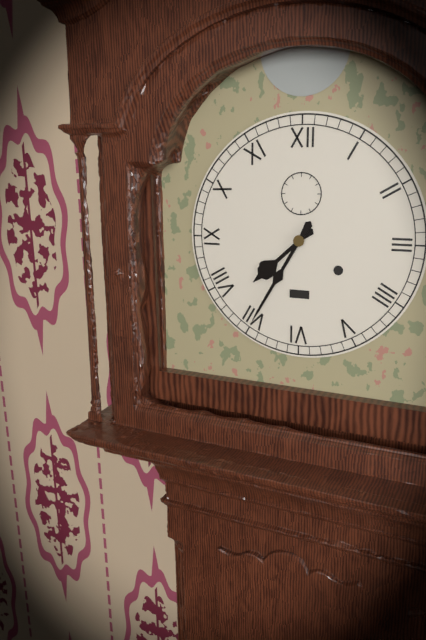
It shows 7,35
